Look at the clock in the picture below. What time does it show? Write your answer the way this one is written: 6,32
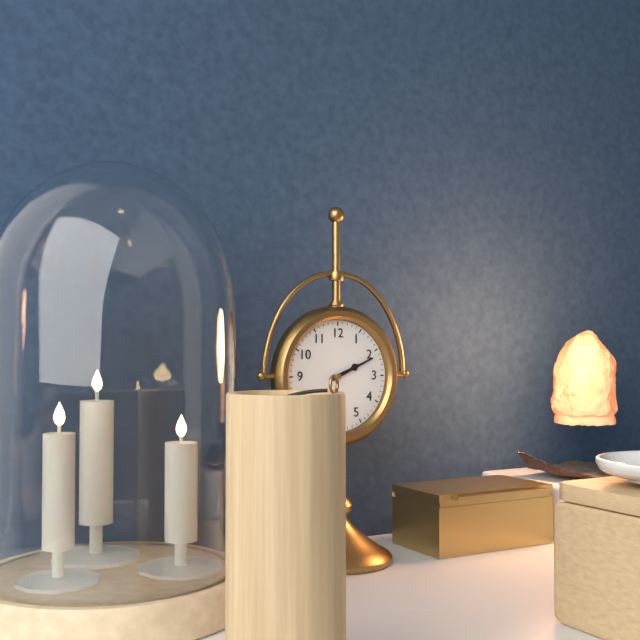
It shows 2,11
